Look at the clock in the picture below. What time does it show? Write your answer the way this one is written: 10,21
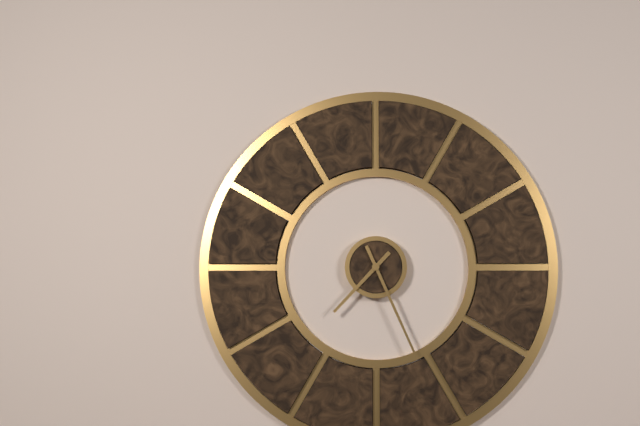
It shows 7,26
